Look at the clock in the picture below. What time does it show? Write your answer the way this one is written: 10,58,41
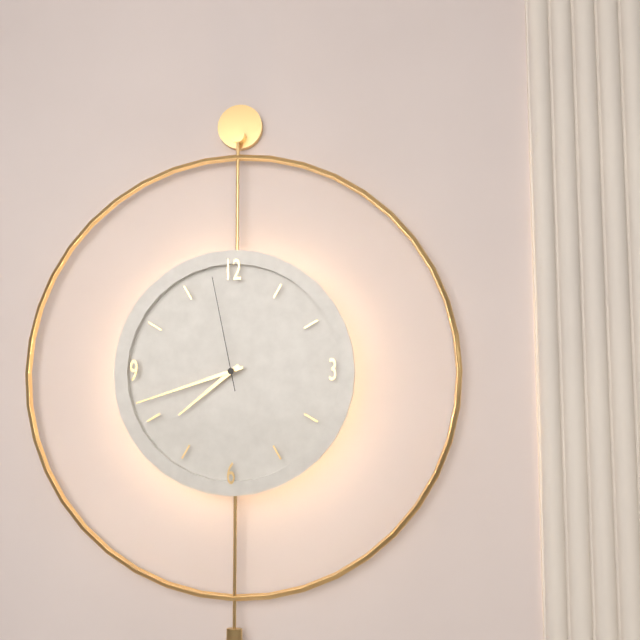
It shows 7,42,58
